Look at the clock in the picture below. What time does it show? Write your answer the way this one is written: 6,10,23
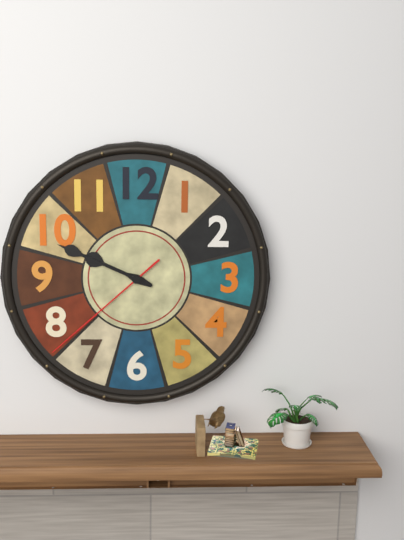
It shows 9,49,38
